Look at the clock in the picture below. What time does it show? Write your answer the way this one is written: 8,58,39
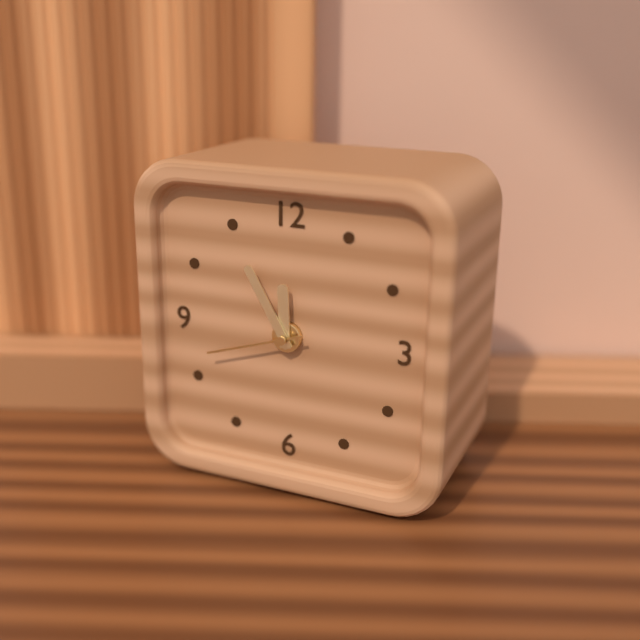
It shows 11,55,42
